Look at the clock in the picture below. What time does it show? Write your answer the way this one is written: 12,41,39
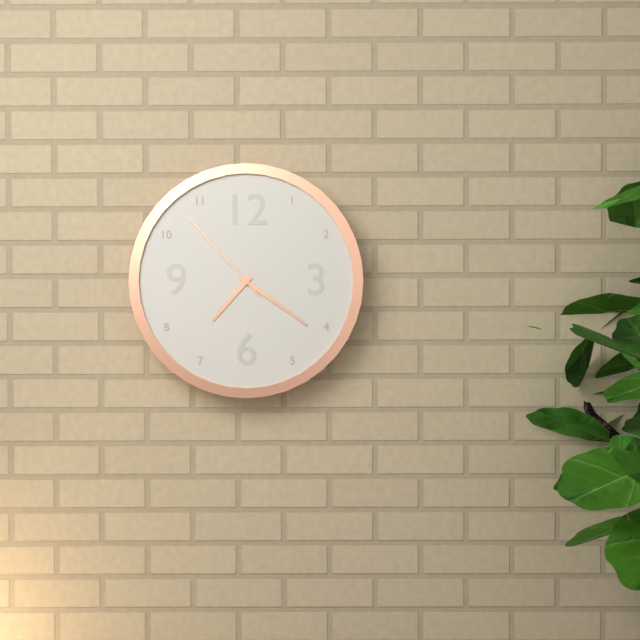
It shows 7,21,53
